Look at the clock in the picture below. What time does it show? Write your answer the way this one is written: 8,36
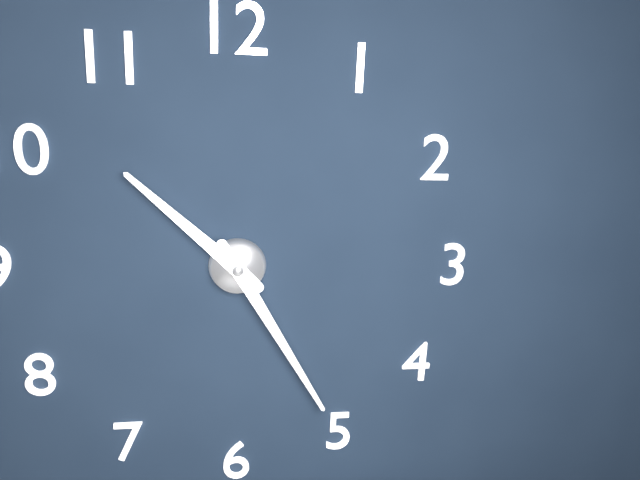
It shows 10,25
